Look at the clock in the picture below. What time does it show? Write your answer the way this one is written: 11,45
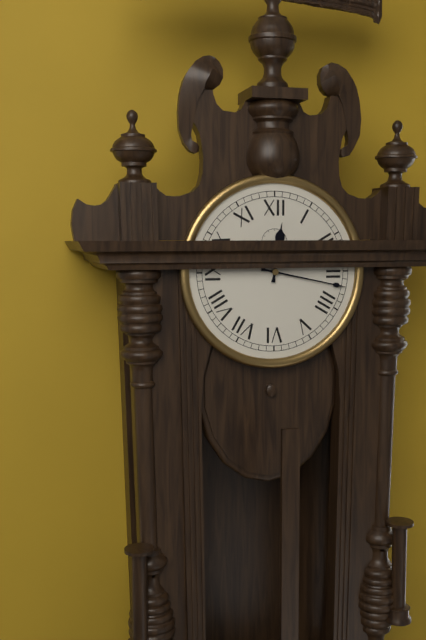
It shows 12,17
